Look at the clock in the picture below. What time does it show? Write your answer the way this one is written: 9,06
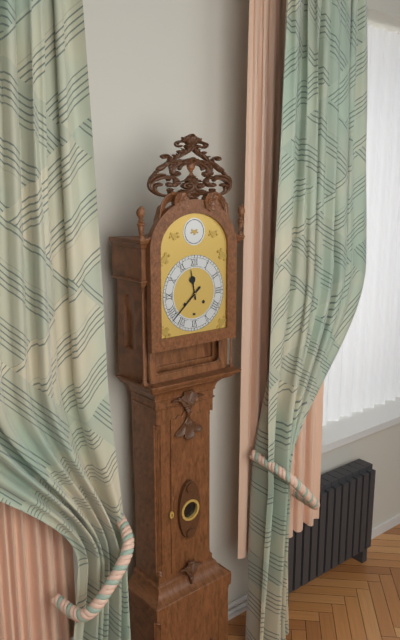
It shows 11,38
